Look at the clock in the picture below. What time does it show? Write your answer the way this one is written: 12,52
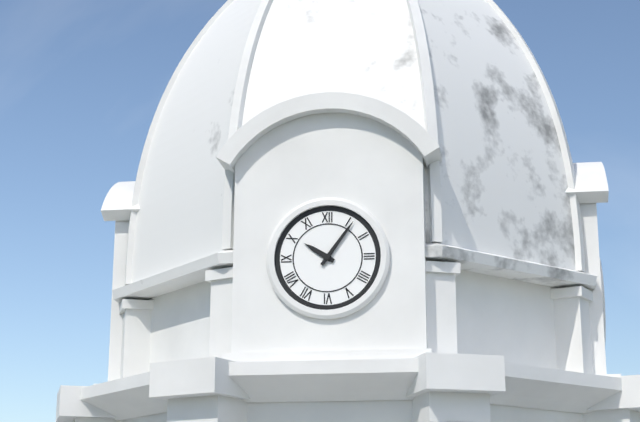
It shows 10,06
